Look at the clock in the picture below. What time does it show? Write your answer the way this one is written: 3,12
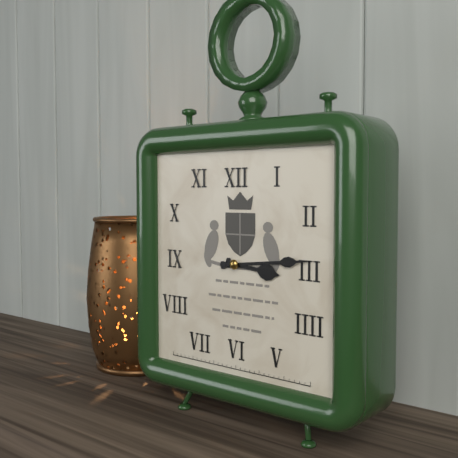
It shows 3,14
